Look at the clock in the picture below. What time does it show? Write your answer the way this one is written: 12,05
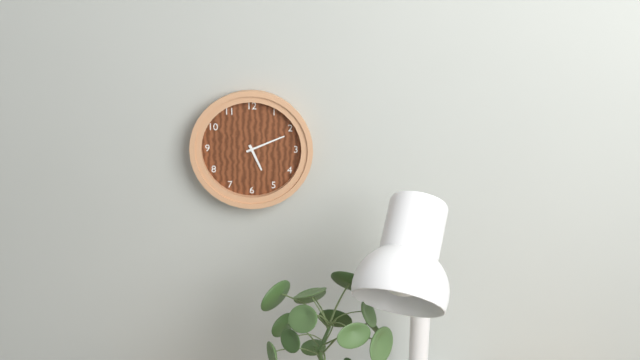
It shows 5,11
